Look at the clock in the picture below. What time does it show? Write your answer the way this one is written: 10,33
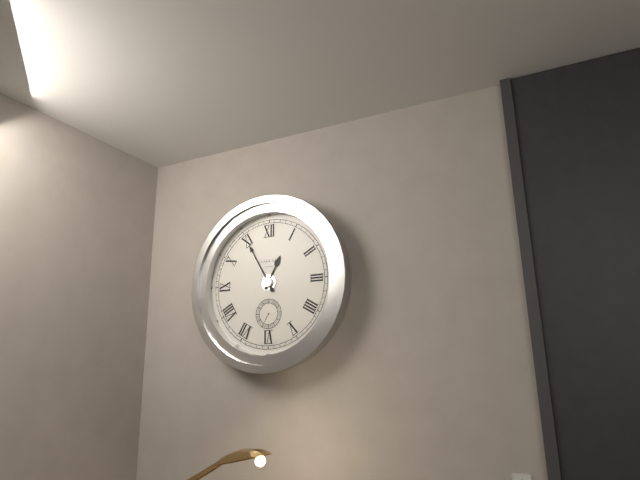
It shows 12,55
